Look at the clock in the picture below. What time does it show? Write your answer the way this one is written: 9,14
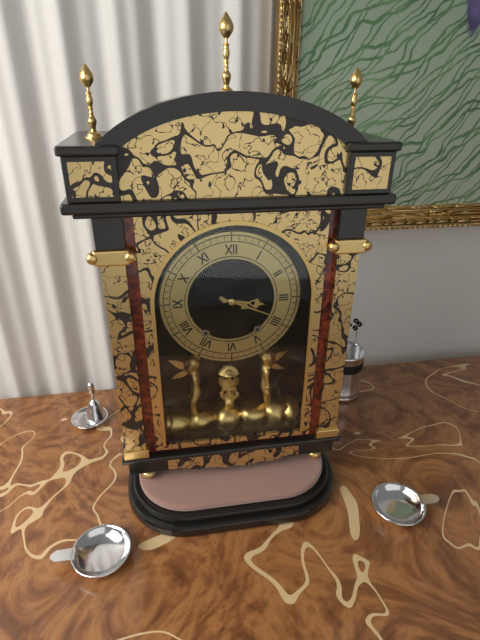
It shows 3,19
